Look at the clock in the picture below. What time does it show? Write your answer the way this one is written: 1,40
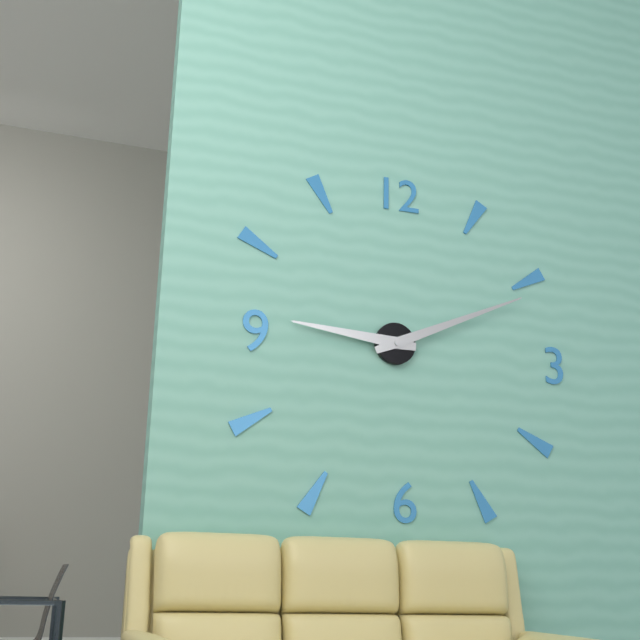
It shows 9,11
